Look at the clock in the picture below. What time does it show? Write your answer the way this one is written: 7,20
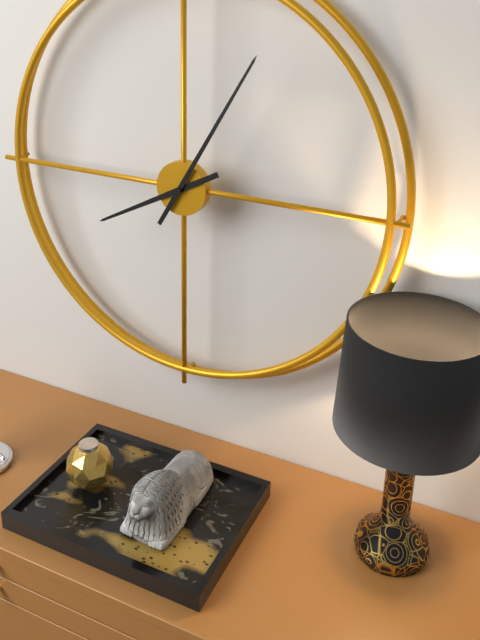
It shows 8,05
